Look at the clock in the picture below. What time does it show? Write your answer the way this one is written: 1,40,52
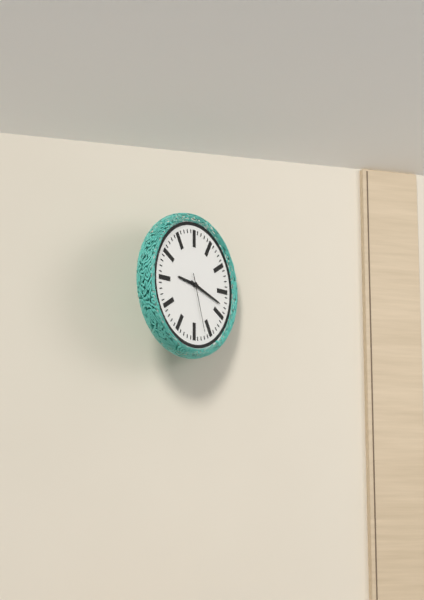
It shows 9,18,27
